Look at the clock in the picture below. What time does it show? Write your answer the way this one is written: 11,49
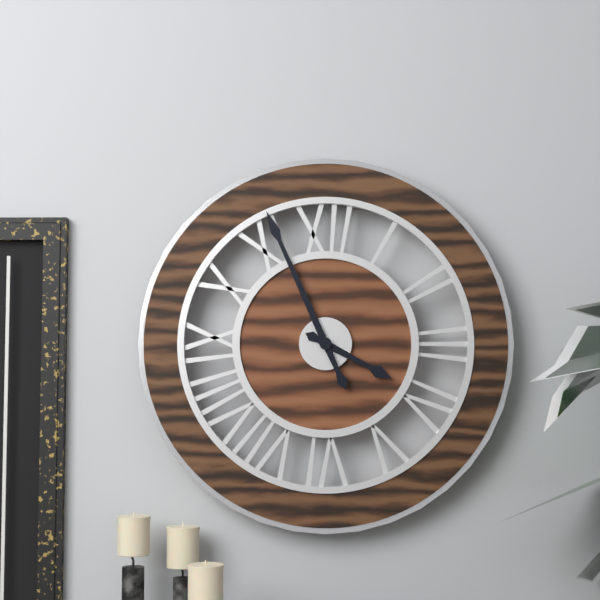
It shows 3,56
